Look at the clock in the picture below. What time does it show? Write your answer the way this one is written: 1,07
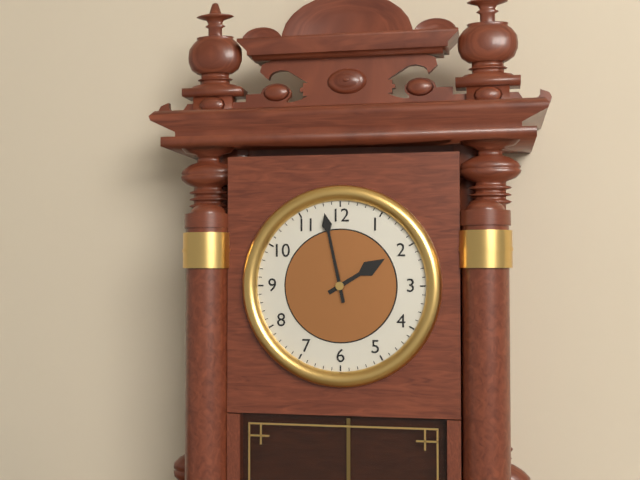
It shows 1,58
